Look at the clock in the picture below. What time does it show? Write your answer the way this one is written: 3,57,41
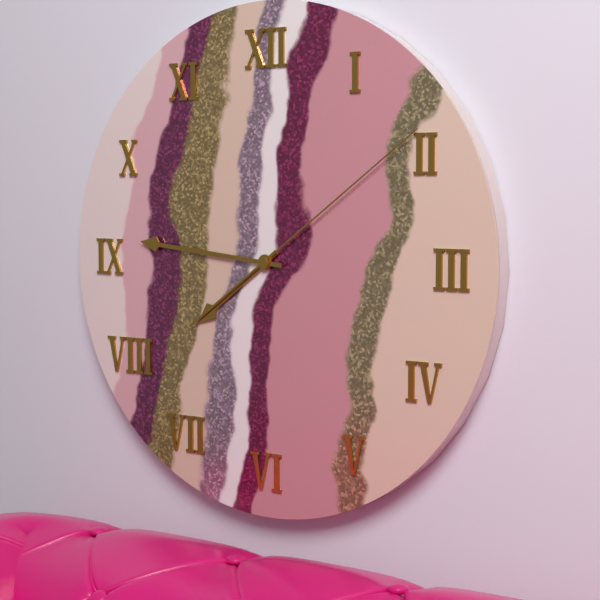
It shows 7,46,09
